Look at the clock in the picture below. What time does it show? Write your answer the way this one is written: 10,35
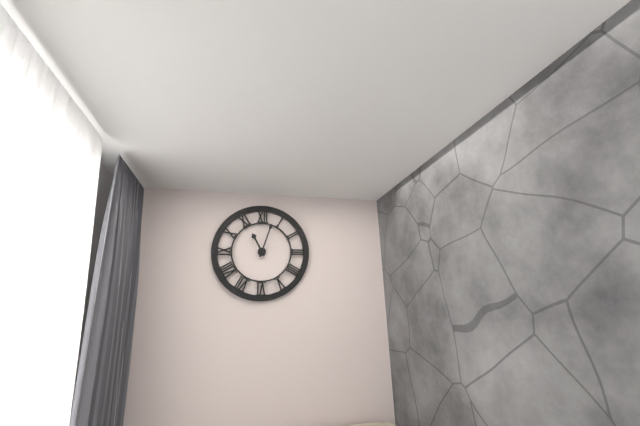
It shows 11,03
